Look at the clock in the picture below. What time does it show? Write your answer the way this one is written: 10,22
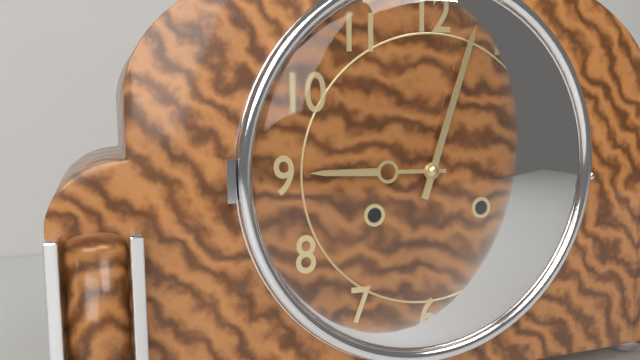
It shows 9,03
